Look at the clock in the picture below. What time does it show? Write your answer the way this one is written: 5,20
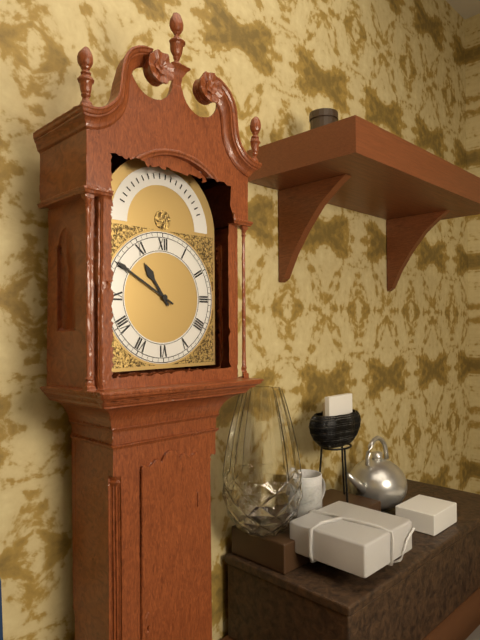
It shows 10,50
